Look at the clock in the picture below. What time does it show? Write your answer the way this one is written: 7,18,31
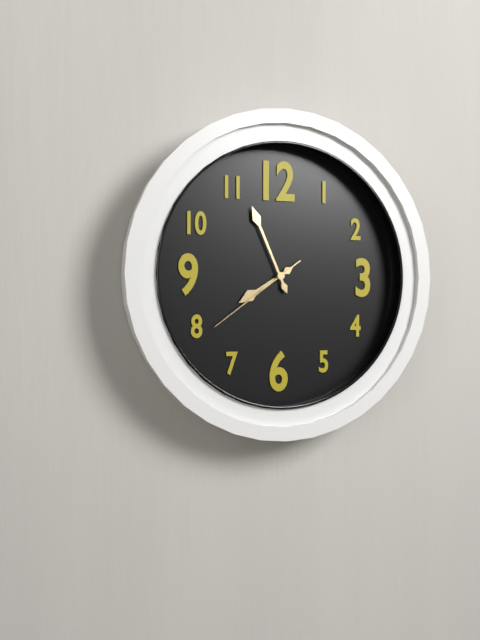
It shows 7,56,39
